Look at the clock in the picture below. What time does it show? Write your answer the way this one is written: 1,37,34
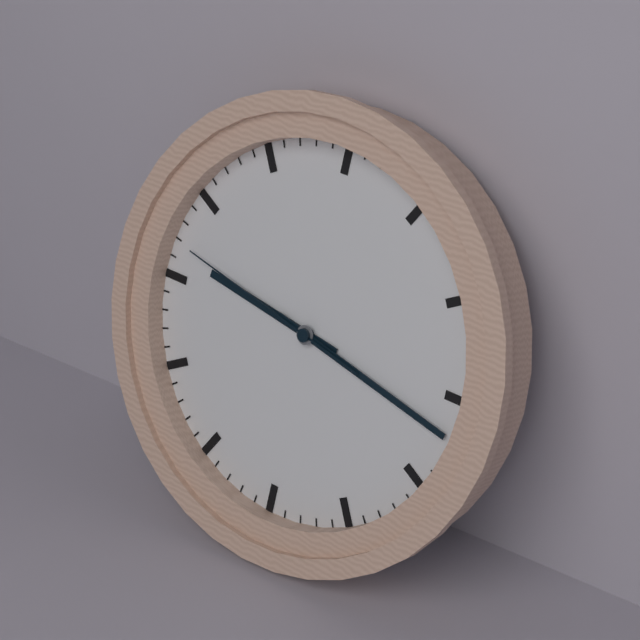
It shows 9,17,47
